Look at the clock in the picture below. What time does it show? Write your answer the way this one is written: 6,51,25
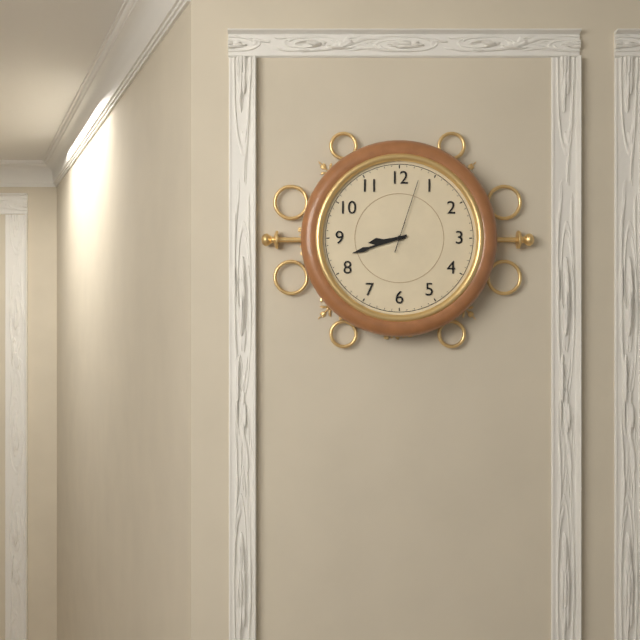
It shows 8,42,03
